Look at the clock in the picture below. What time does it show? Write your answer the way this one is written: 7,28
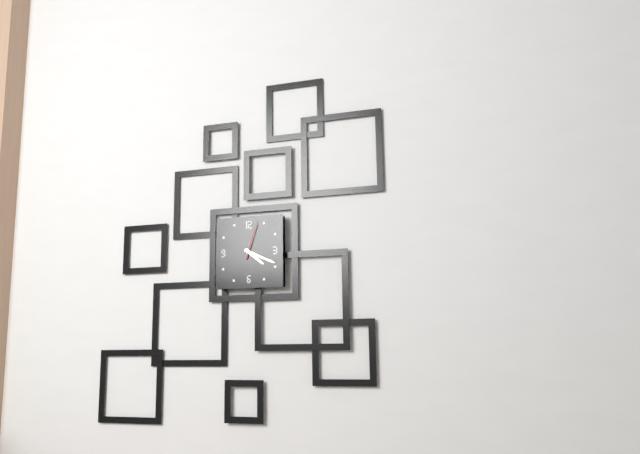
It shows 4,19
